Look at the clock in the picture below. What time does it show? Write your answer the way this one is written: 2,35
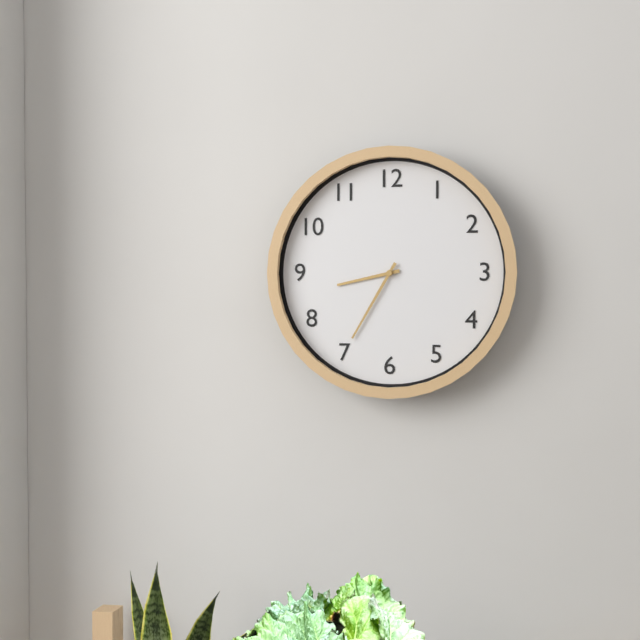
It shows 8,35
